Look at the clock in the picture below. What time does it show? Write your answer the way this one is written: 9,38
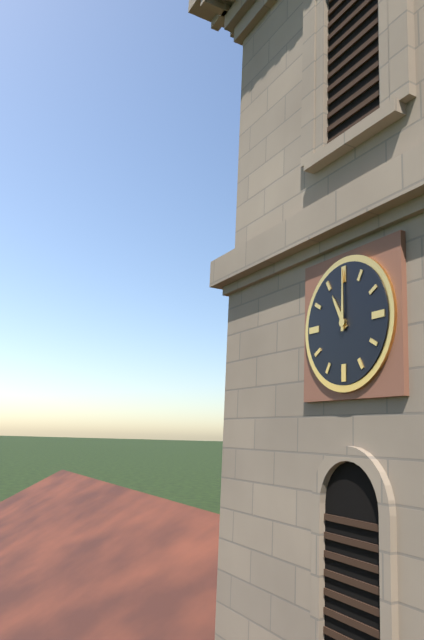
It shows 11,00
